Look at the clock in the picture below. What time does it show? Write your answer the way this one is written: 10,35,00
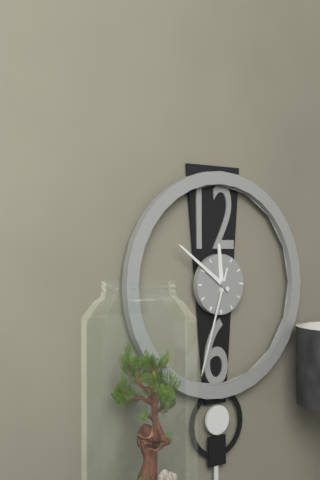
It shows 11,51,33
